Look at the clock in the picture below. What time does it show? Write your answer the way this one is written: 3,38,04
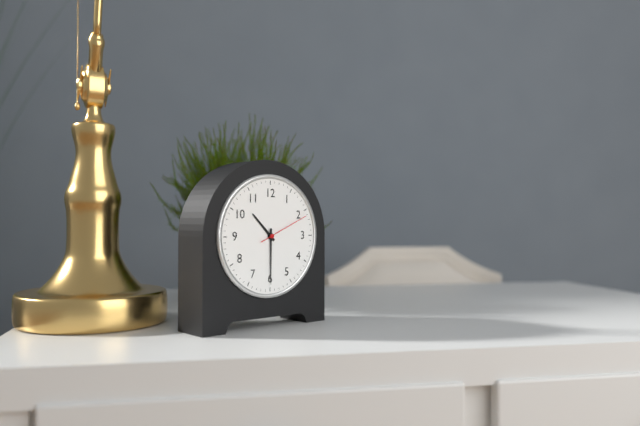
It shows 10,30,11
